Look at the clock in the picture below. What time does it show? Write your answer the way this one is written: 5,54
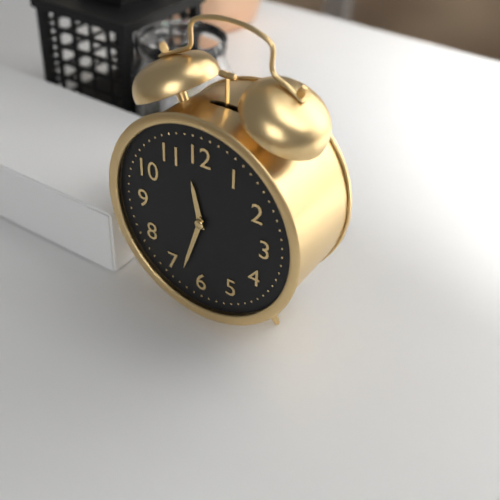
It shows 11,33
